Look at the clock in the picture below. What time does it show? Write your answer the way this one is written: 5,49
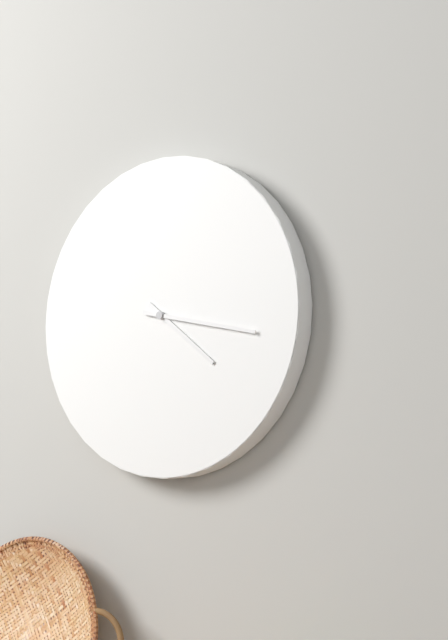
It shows 4,17
